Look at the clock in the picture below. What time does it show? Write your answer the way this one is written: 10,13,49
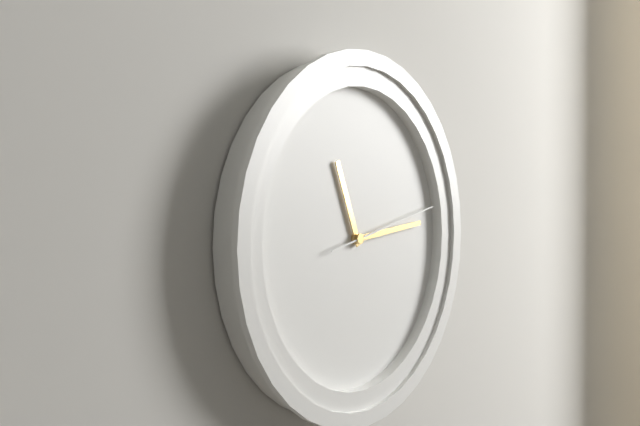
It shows 11,14,13
